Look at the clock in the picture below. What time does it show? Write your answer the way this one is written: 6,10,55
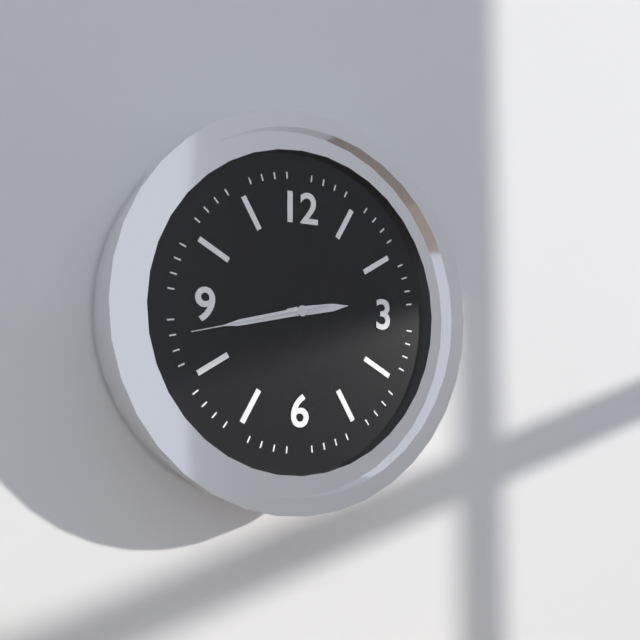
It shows 2,43,43
